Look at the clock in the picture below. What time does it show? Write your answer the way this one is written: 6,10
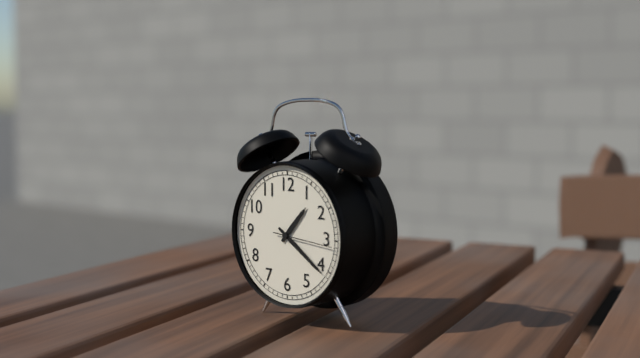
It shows 1,21
